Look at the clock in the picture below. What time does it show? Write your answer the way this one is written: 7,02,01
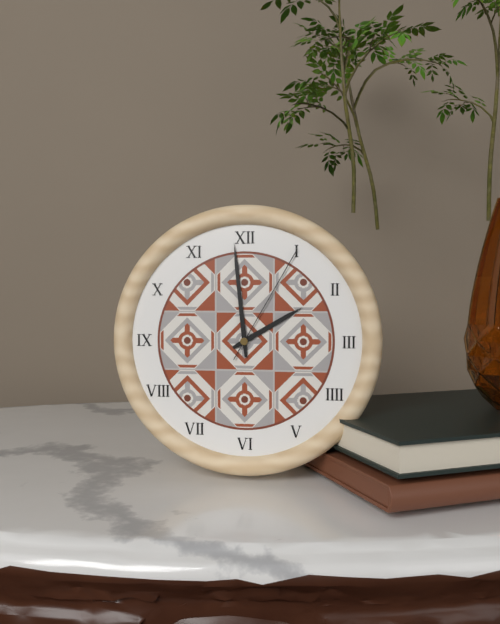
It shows 1,59,05
